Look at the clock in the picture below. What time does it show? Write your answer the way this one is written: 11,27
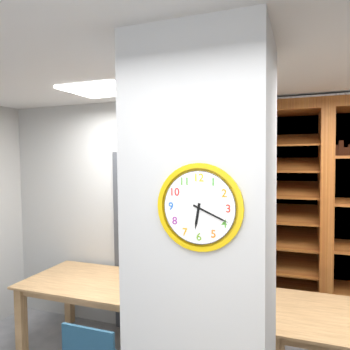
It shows 6,19
